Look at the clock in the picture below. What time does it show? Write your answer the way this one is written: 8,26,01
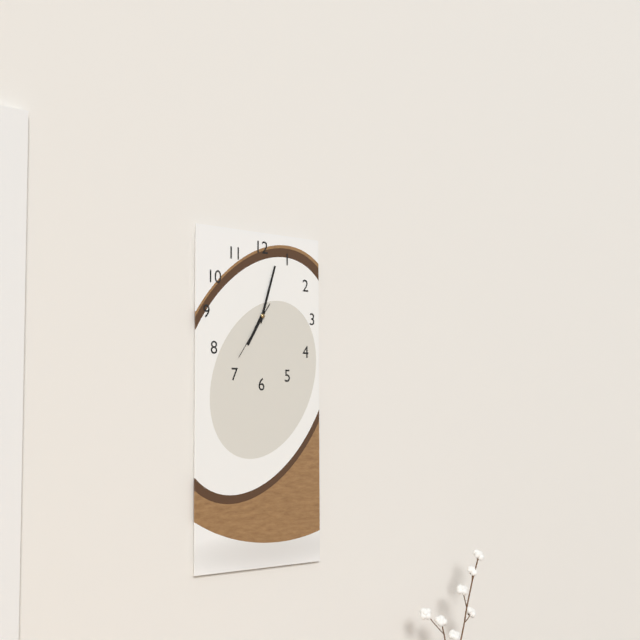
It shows 7,03,36
